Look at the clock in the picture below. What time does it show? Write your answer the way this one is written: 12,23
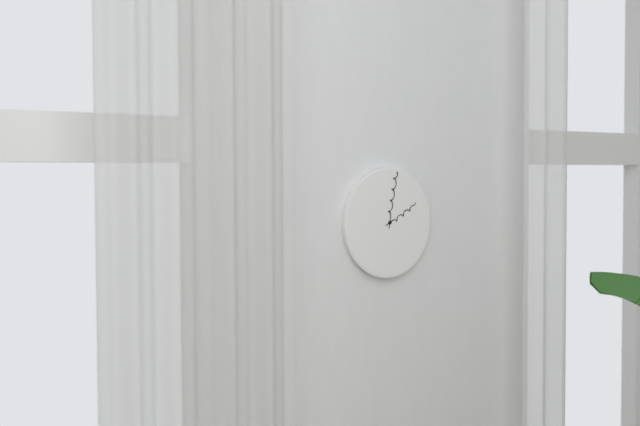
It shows 2,02
